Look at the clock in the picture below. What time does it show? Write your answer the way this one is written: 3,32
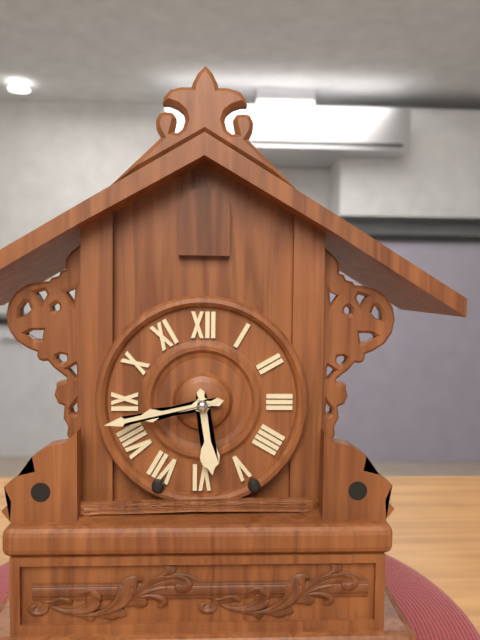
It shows 5,43
